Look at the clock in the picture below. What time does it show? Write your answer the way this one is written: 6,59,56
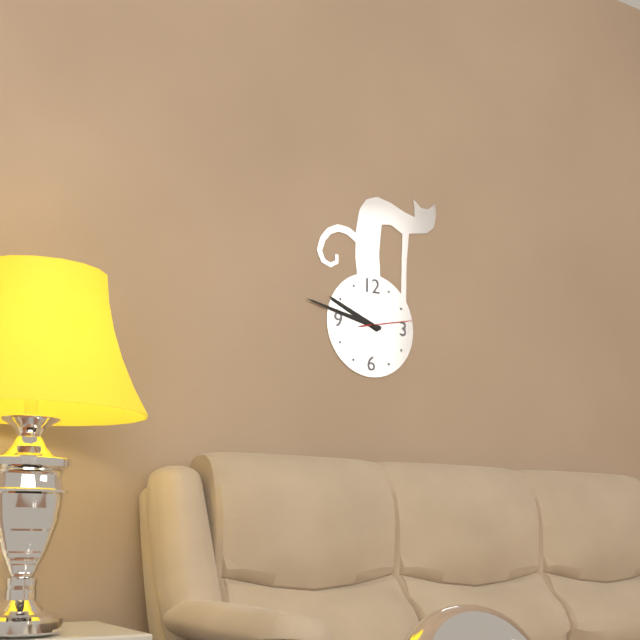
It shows 9,47,13
